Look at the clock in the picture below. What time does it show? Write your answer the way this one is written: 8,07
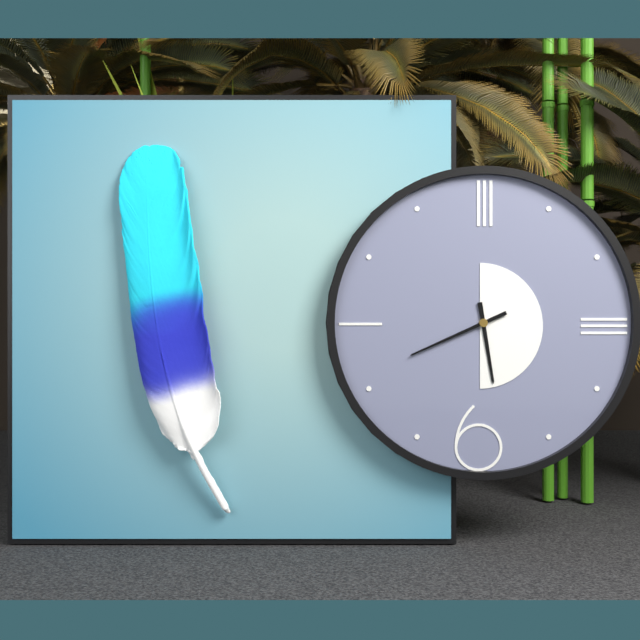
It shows 5,41
